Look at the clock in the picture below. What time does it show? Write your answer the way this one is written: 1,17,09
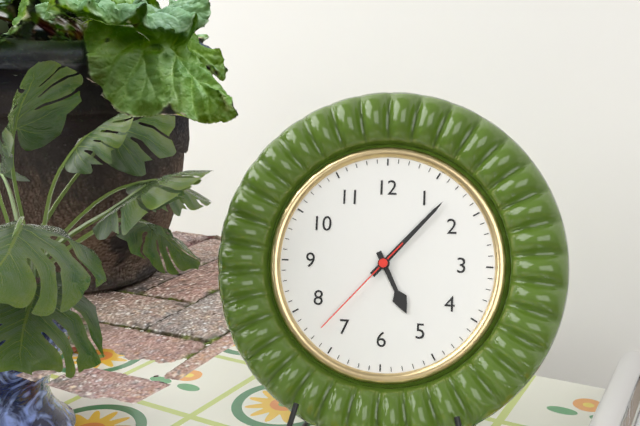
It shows 5,07,37
